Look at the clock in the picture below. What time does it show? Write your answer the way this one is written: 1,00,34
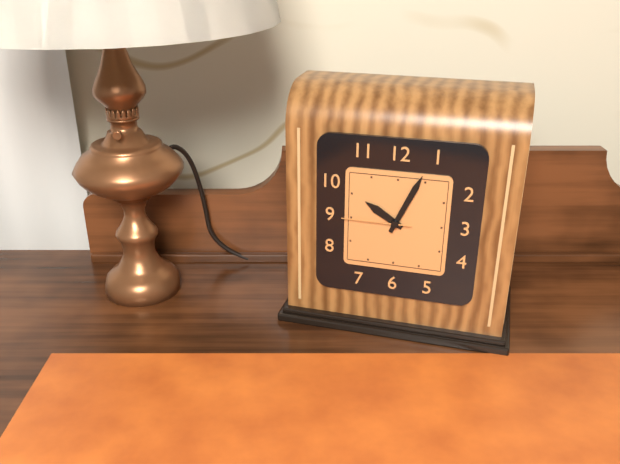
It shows 10,04,45
